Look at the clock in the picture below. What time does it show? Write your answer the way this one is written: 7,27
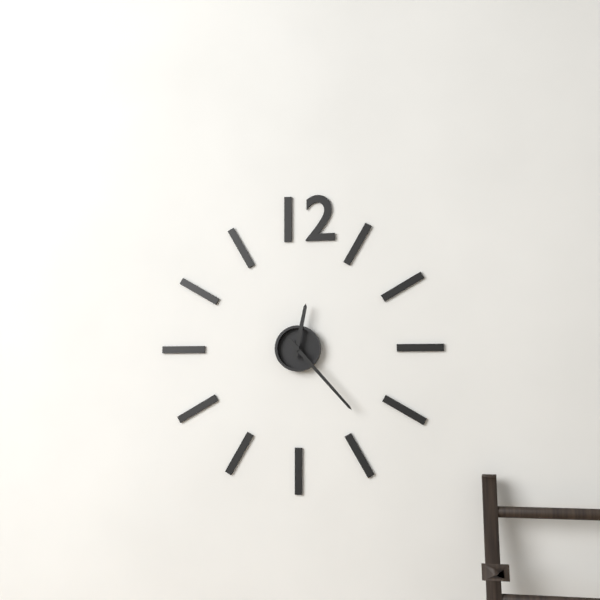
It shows 12,23
